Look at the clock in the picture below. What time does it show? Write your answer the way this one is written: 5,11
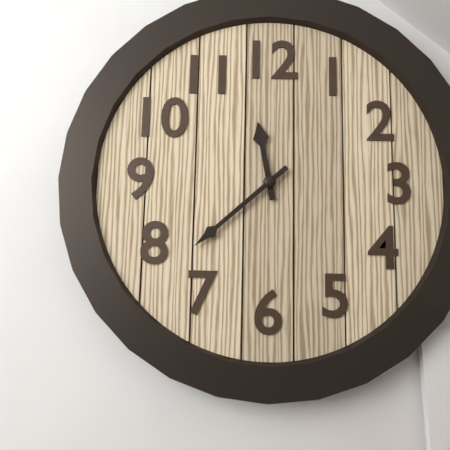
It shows 11,38
